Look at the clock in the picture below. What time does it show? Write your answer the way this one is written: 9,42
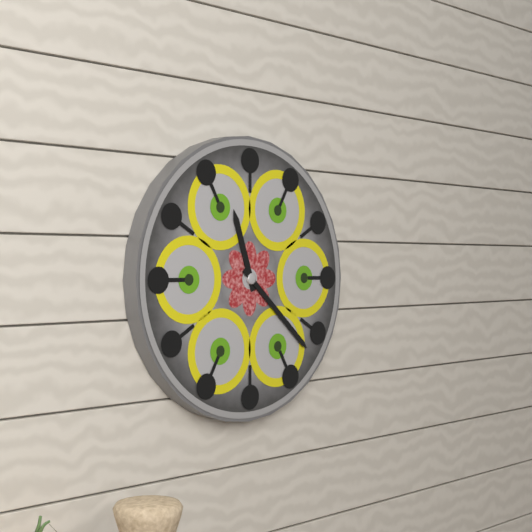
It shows 11,22
